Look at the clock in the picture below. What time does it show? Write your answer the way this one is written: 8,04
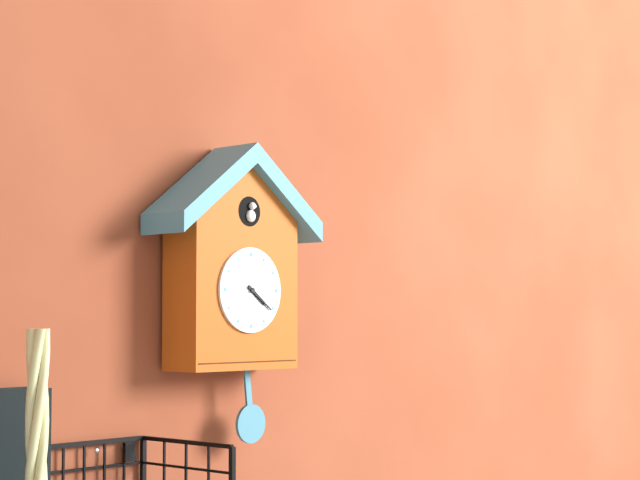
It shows 4,21
